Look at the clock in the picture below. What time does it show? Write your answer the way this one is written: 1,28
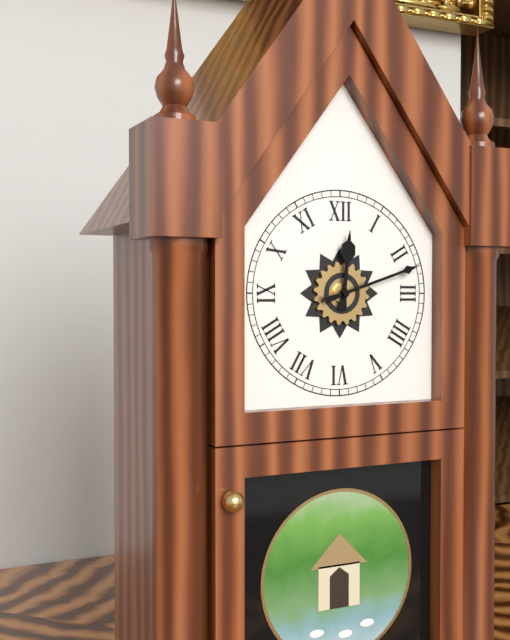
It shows 12,12
